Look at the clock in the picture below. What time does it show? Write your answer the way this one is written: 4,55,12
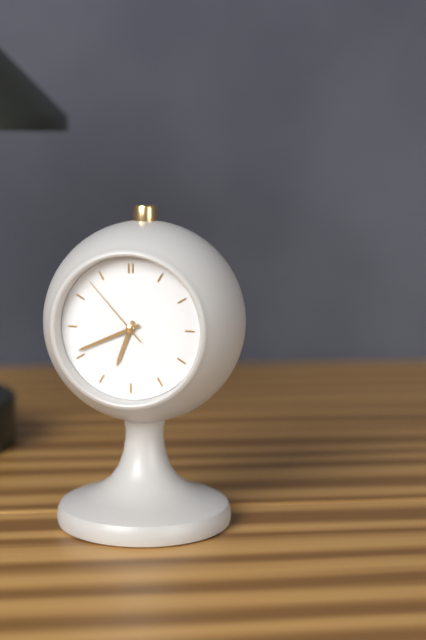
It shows 6,41,53
